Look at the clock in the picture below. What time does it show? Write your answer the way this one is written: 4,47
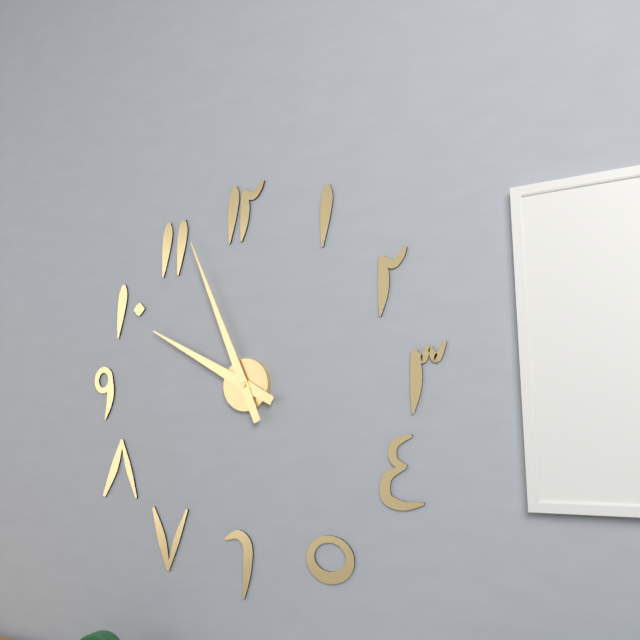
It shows 9,56
